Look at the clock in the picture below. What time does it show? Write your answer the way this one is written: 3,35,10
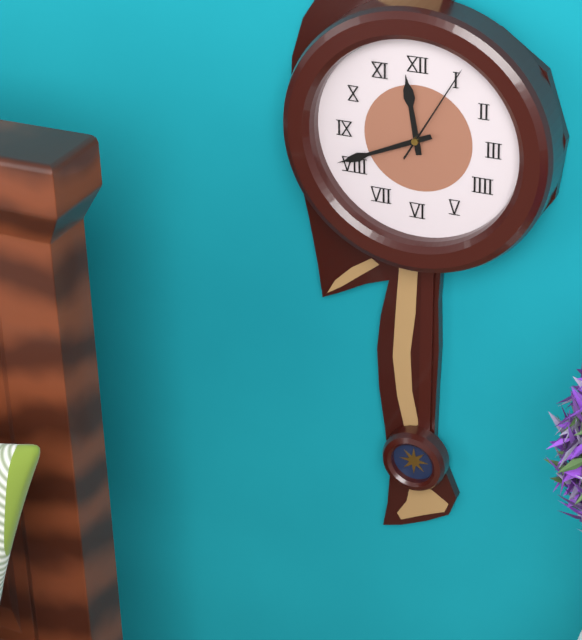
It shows 11,41,05
